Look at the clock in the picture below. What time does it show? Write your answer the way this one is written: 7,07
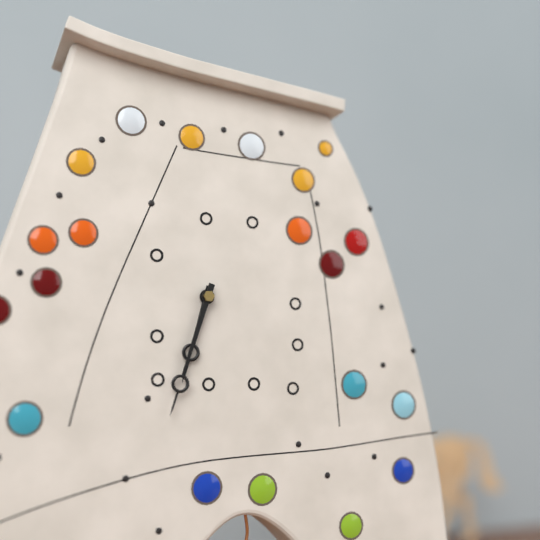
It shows 6,33
